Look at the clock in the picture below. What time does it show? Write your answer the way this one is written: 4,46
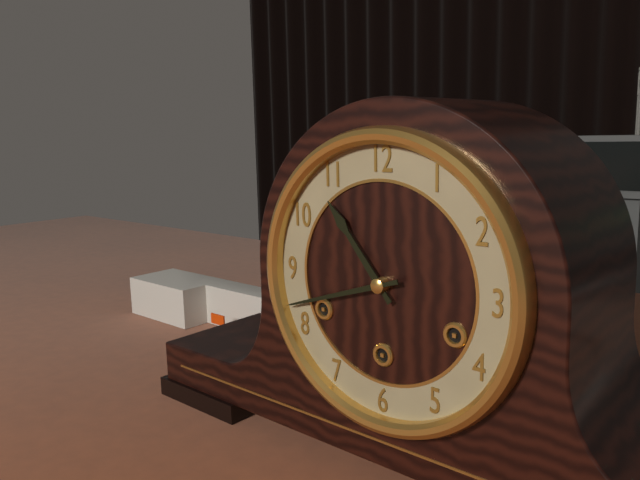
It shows 10,42
